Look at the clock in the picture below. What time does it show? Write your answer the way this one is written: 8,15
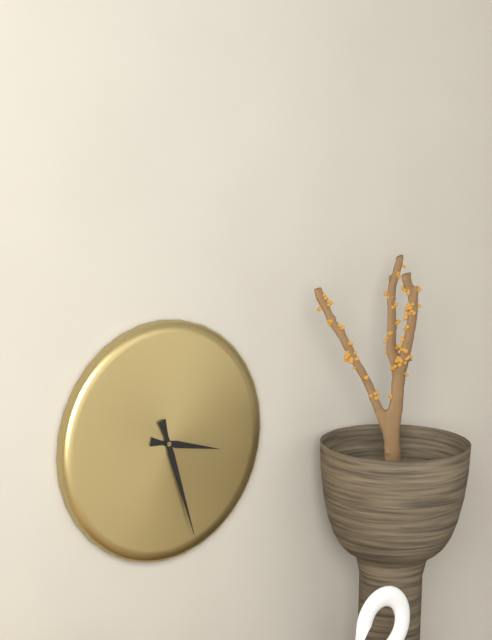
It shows 3,27
